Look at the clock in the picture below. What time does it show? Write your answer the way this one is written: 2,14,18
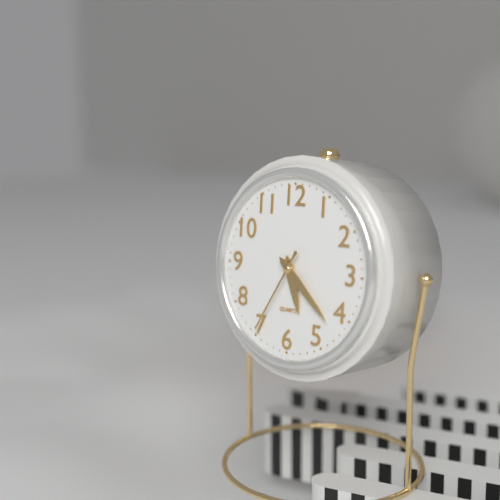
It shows 5,22,35
